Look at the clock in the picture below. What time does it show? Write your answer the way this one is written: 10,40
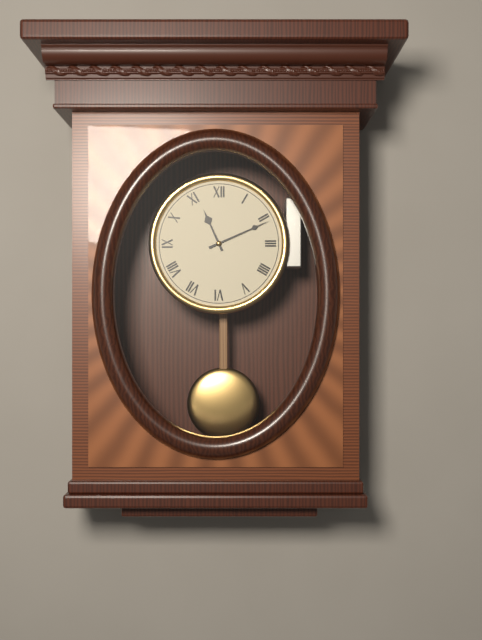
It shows 11,11
